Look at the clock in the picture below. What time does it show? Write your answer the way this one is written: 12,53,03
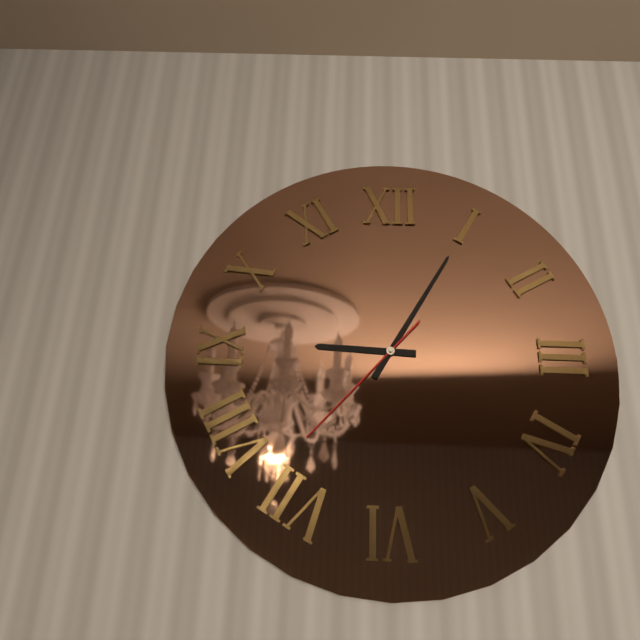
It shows 9,05,37
